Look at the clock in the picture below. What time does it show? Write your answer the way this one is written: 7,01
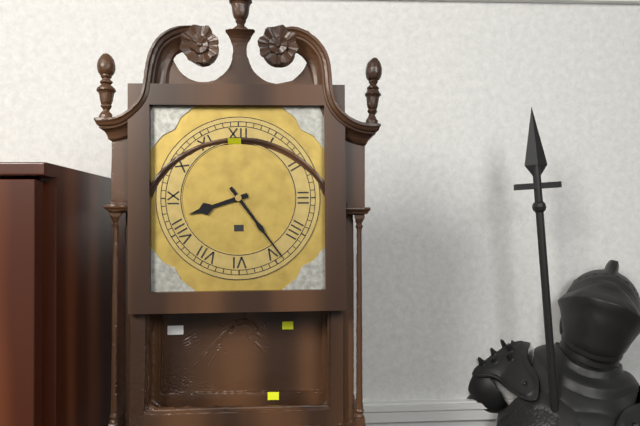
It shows 8,24
